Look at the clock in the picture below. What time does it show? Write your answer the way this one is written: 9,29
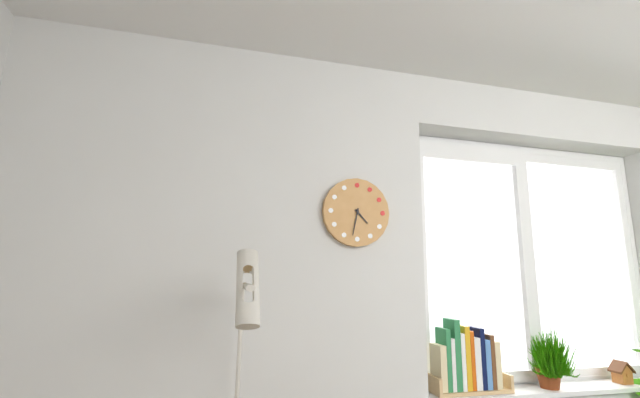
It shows 4,32
